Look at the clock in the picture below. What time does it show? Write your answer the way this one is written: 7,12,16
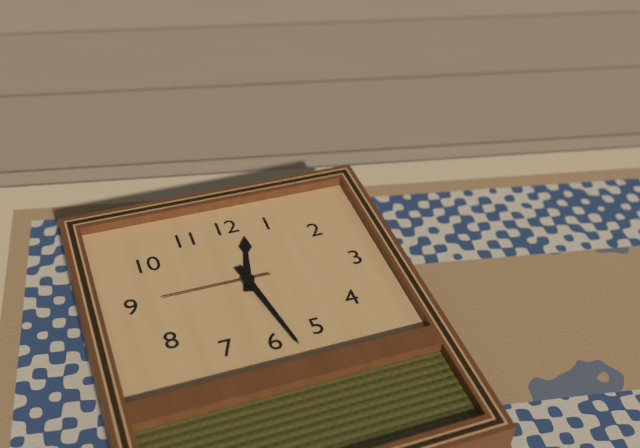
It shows 12,28,45
